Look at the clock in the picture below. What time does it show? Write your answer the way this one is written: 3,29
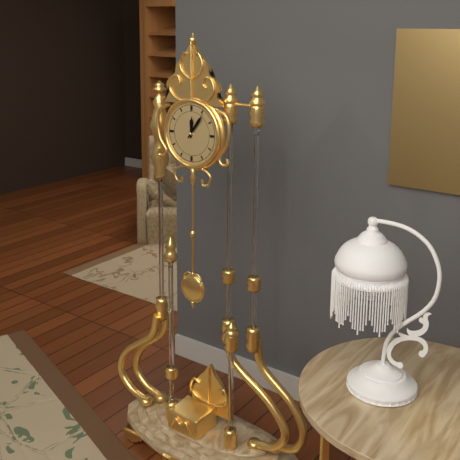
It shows 12,06
